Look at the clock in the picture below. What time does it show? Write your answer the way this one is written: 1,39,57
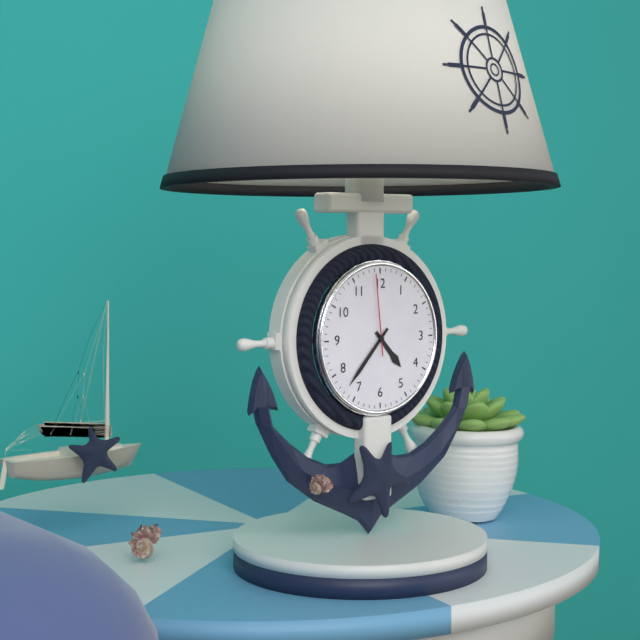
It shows 4,37,59
